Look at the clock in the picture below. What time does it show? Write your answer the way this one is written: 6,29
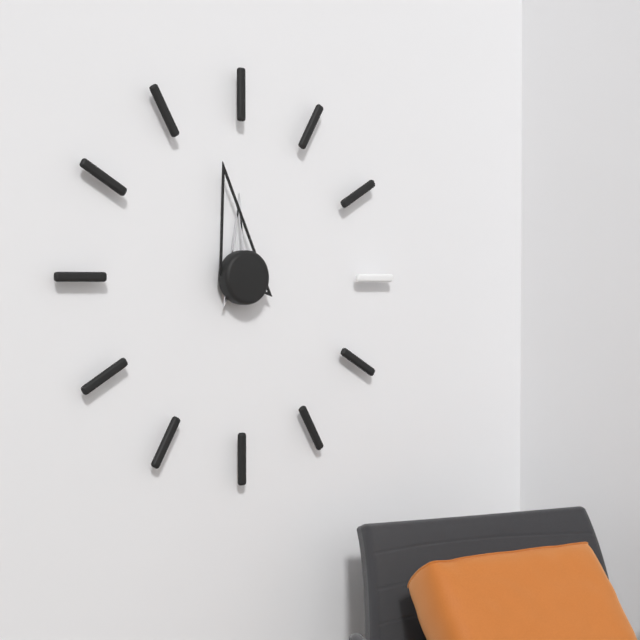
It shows 11,58
